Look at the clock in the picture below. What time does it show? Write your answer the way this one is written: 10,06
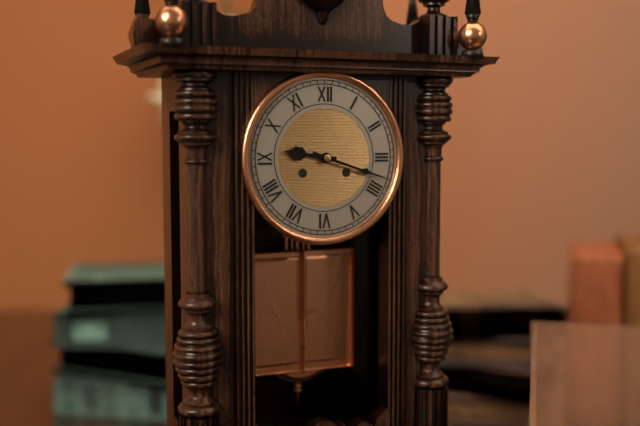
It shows 9,18
